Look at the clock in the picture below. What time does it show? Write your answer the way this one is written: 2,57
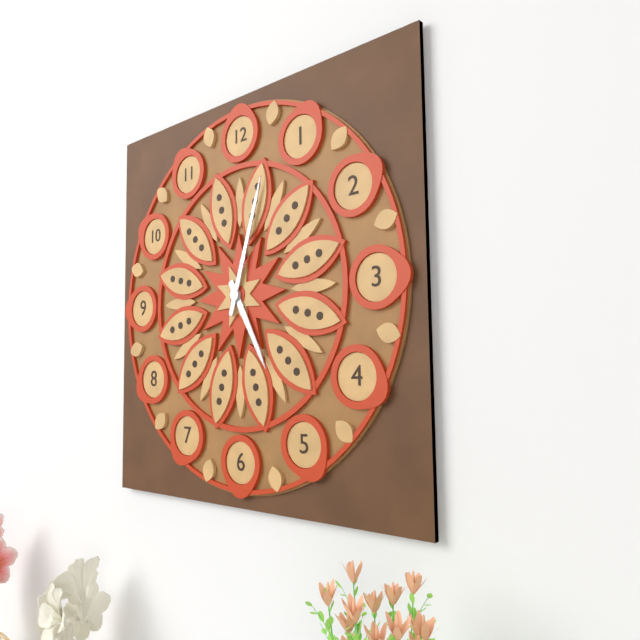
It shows 5,03
